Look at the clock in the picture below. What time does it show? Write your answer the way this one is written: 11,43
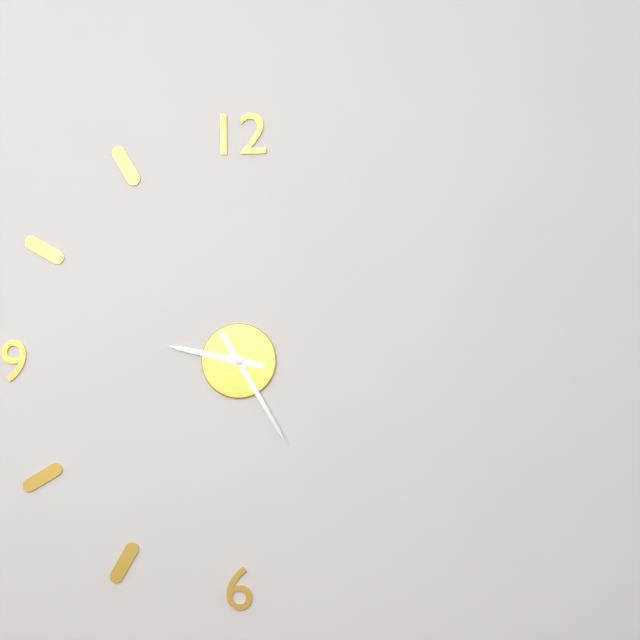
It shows 9,25
